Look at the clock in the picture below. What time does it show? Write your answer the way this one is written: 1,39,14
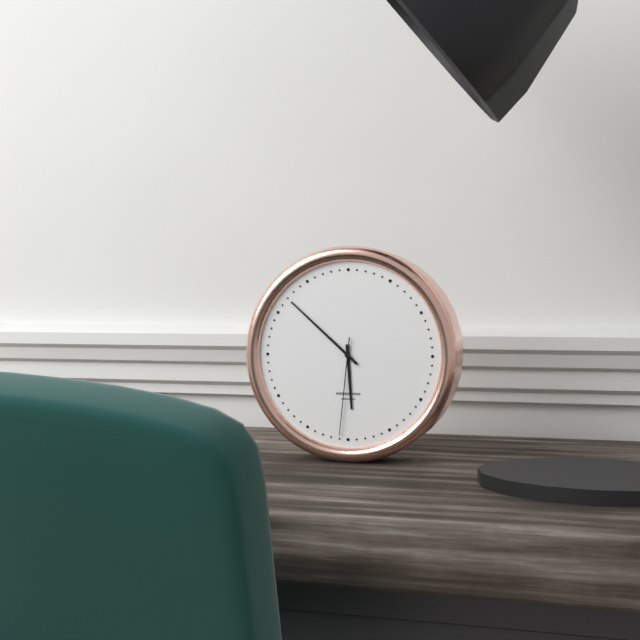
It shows 5,52,31
